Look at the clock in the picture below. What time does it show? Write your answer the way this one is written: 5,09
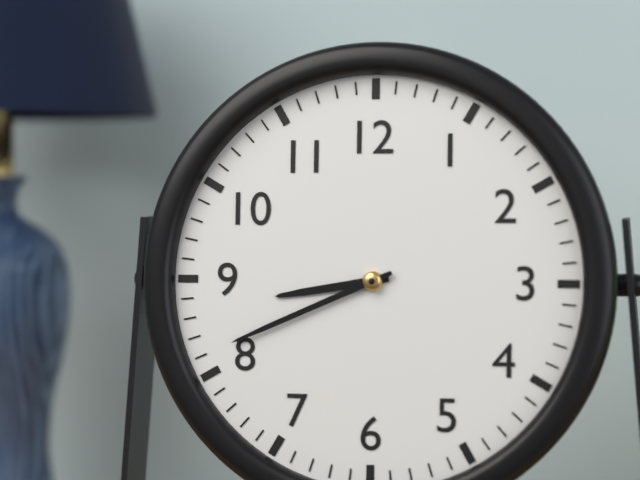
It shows 8,41
